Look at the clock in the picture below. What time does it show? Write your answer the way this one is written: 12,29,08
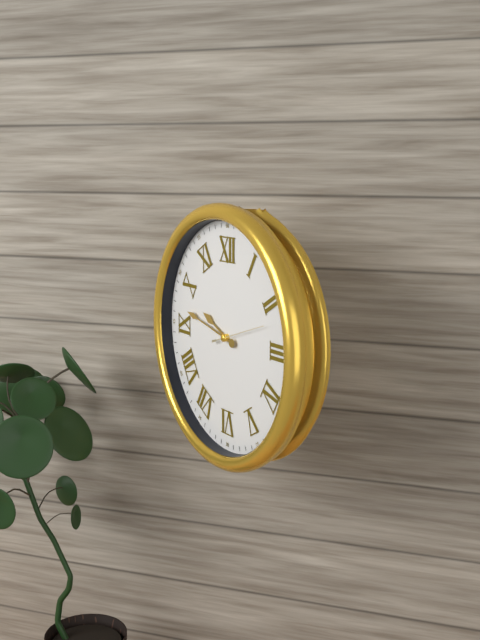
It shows 9,47,12
